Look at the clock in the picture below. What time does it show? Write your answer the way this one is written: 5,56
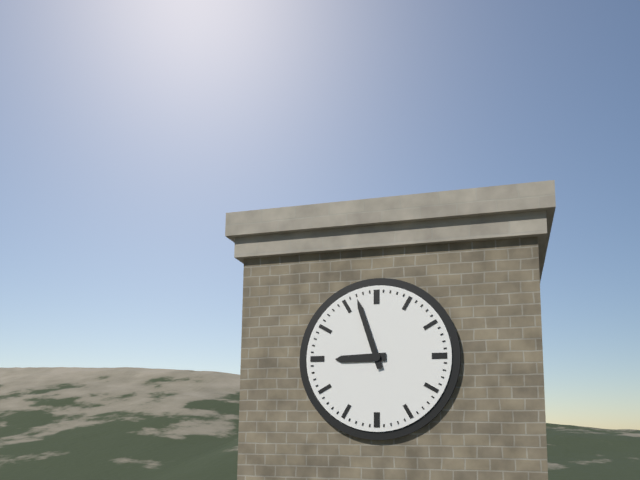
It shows 8,57
